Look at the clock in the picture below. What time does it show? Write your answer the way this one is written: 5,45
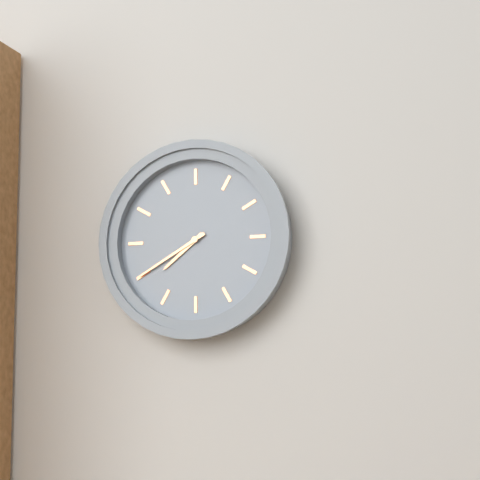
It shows 7,40
